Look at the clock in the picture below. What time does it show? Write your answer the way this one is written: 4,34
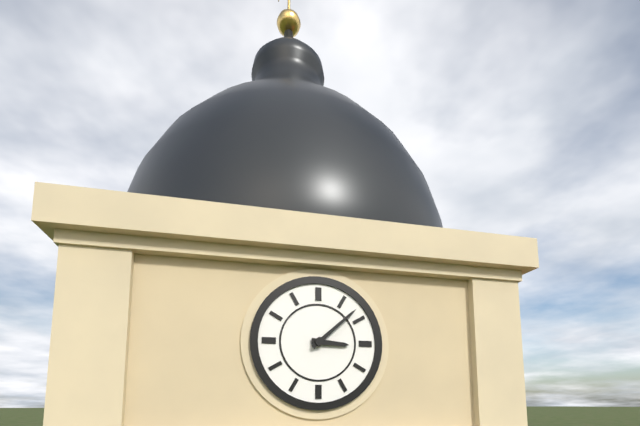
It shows 3,08
